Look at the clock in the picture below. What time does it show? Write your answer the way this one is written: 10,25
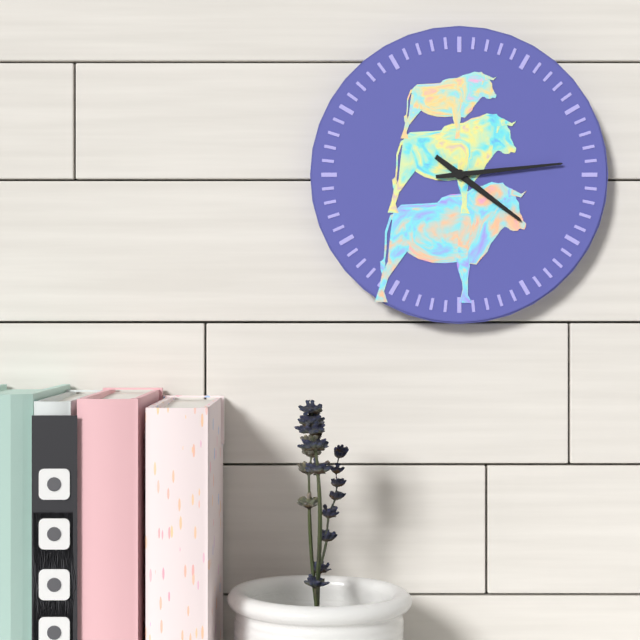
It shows 4,14
